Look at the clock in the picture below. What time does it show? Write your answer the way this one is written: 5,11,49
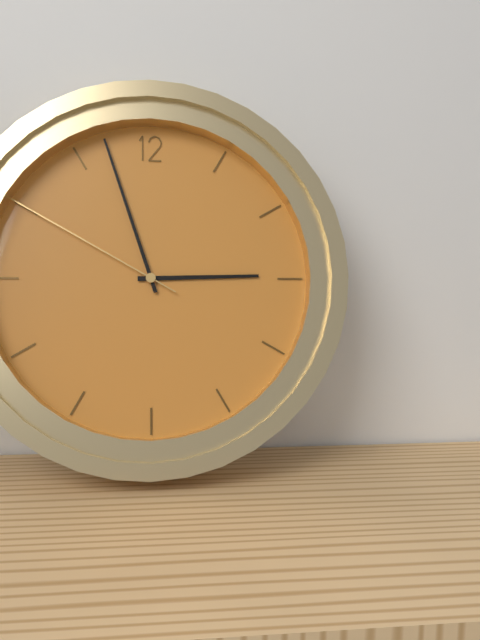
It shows 2,57,50
